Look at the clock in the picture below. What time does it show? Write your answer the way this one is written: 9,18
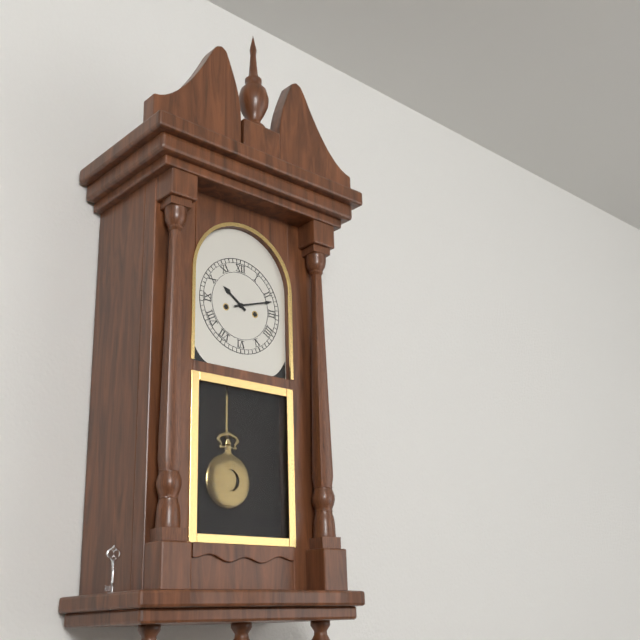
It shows 10,12
